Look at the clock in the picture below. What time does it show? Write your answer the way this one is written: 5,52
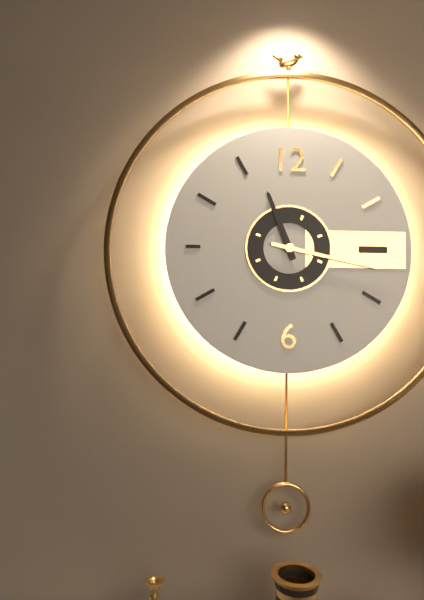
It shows 11,17
